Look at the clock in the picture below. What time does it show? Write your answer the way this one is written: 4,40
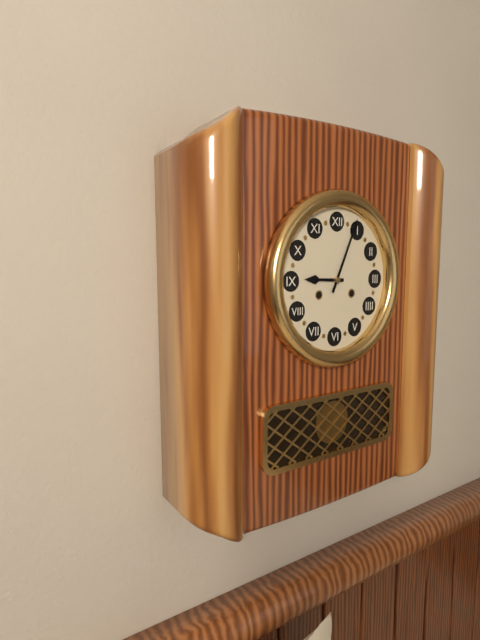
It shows 9,04
